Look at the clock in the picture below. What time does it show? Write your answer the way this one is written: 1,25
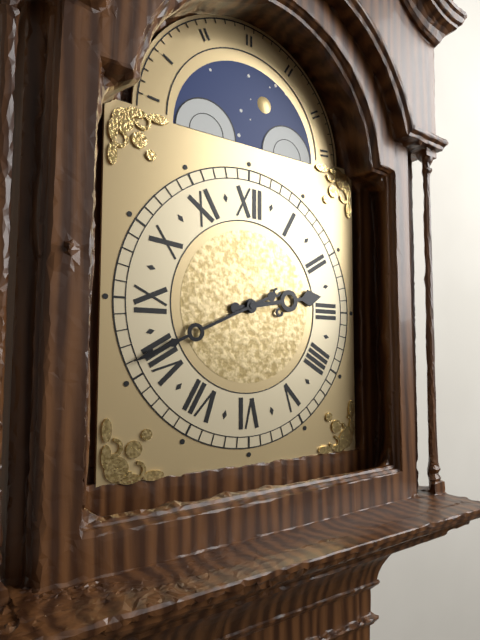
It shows 2,41
